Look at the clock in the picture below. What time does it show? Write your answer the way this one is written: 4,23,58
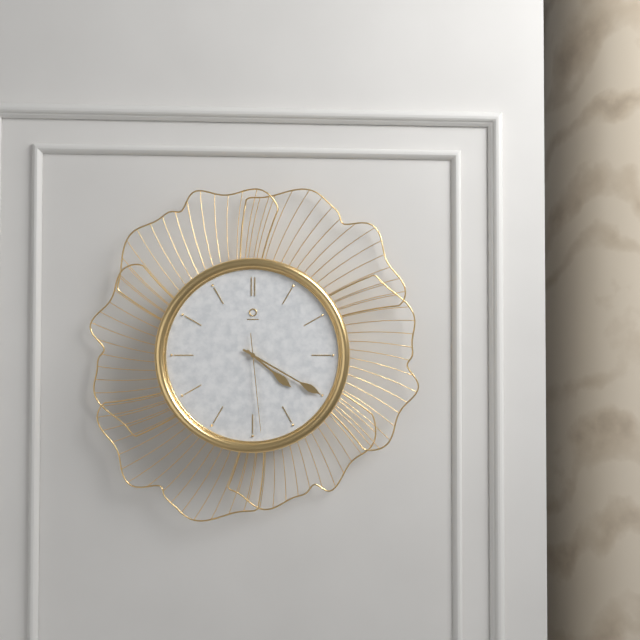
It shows 4,20,29
